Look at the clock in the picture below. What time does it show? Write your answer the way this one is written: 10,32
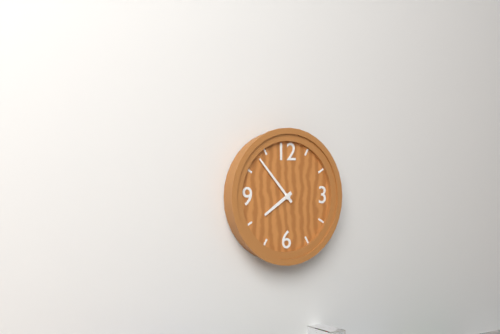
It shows 7,53
